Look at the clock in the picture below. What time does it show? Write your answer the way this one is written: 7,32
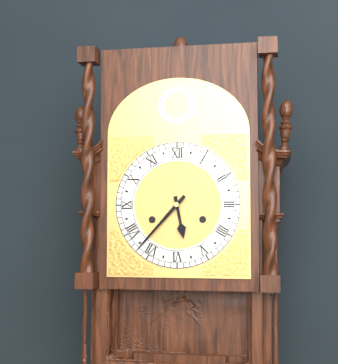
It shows 5,37
